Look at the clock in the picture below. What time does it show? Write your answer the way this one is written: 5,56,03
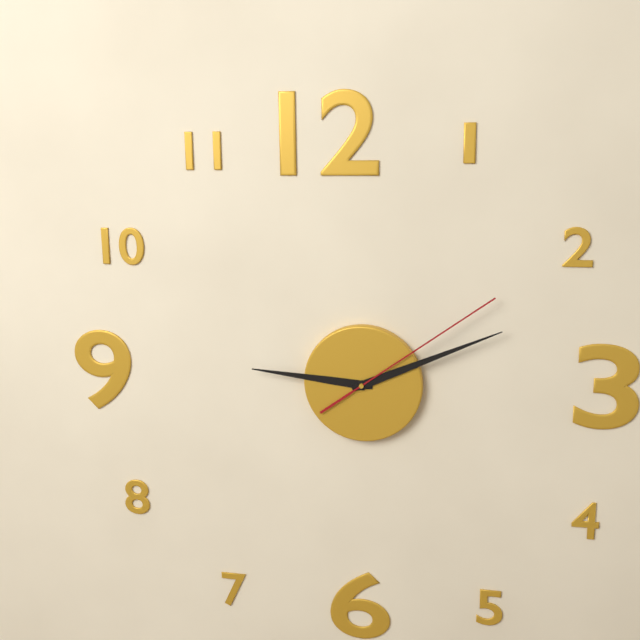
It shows 9,11,09
